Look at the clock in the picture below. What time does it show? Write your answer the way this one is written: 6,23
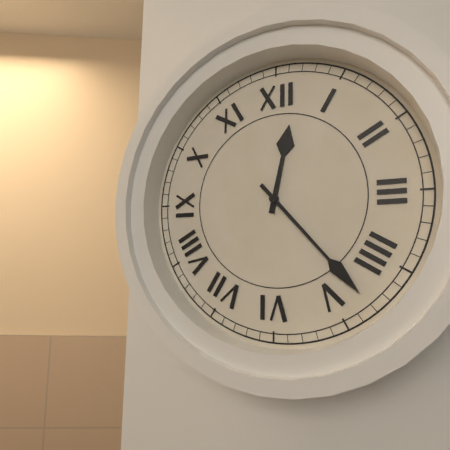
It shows 12,23
